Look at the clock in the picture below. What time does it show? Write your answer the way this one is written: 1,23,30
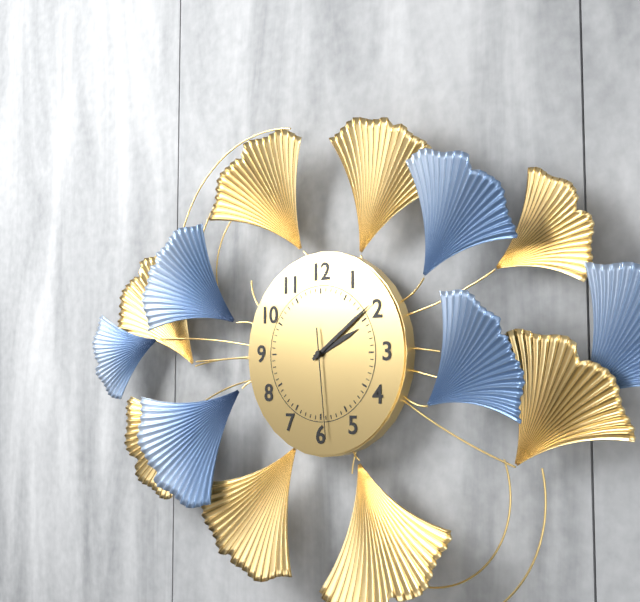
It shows 2,09,29
